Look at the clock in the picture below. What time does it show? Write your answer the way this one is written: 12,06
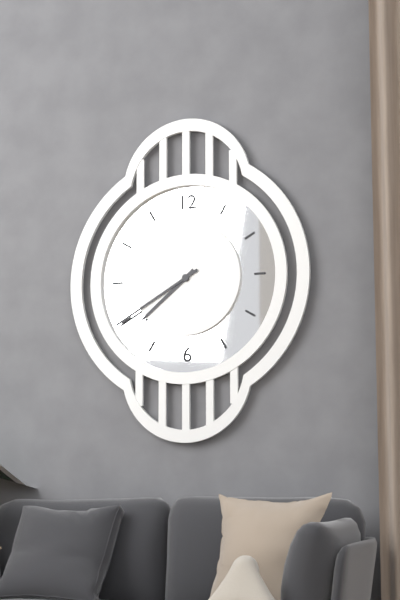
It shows 7,40
